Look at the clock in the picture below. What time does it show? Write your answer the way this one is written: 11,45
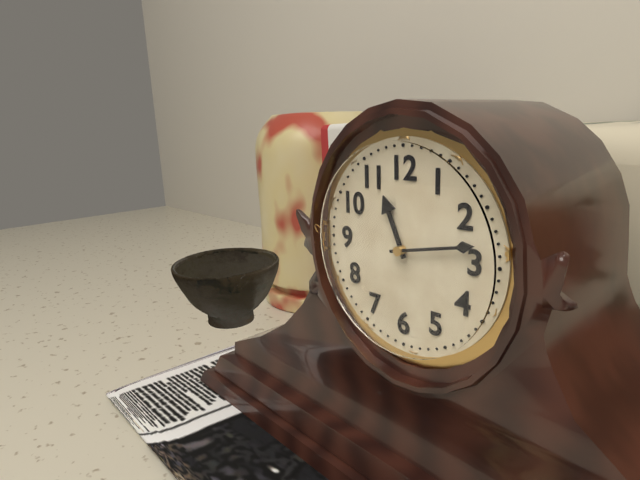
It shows 11,13
